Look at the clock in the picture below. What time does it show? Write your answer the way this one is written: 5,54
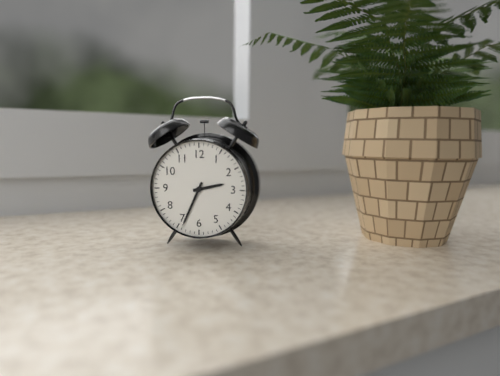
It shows 2,34
